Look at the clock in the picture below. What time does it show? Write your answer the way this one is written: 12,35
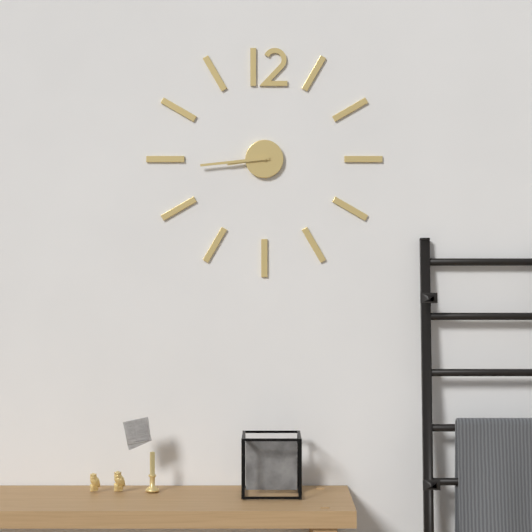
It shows 8,44
